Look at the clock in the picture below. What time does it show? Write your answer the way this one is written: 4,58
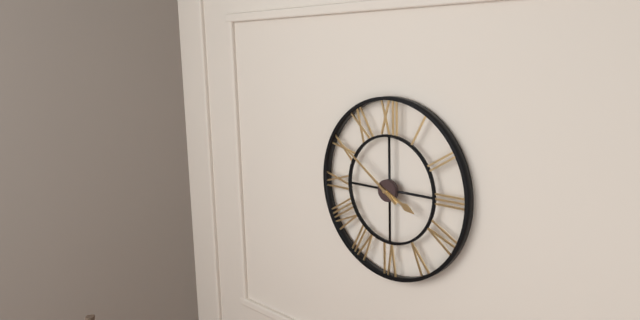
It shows 3,51
